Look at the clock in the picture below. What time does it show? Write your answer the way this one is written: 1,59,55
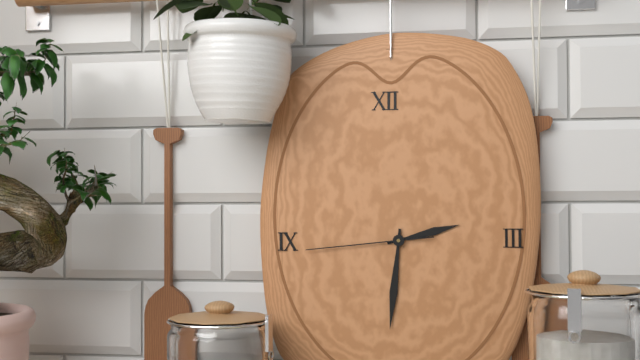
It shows 2,31,44
